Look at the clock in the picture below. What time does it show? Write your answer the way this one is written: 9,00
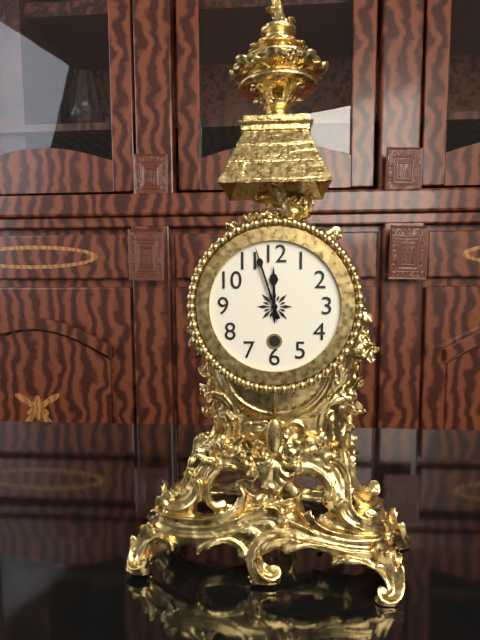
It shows 11,57
